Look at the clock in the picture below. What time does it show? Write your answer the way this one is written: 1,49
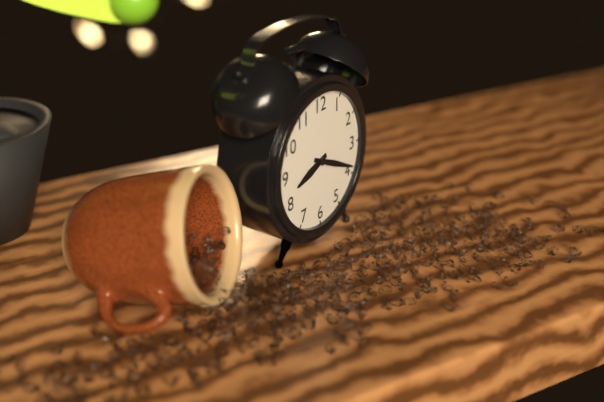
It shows 8,19
